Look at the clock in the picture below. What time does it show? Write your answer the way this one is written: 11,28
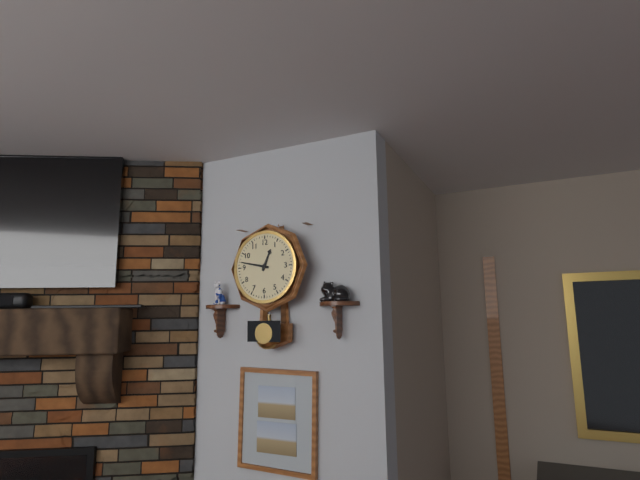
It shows 12,47
